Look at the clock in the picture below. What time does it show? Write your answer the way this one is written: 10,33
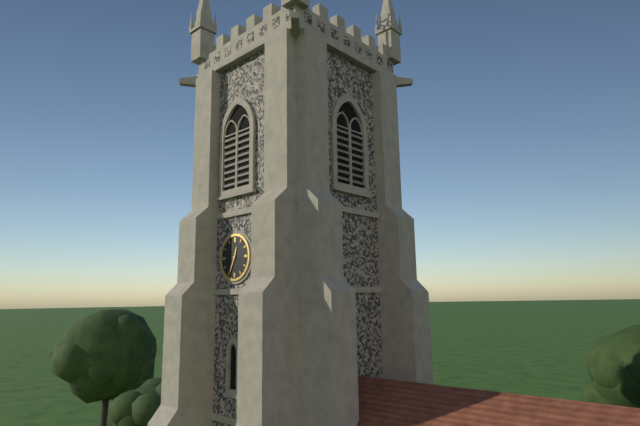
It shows 12,34
